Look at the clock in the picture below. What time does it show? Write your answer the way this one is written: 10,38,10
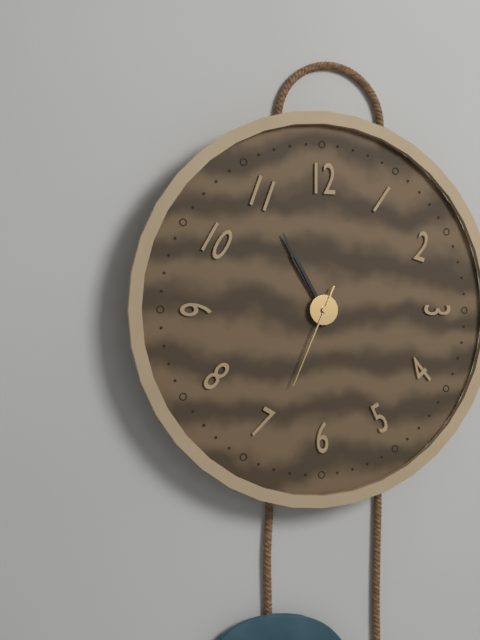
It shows 10,55,34
